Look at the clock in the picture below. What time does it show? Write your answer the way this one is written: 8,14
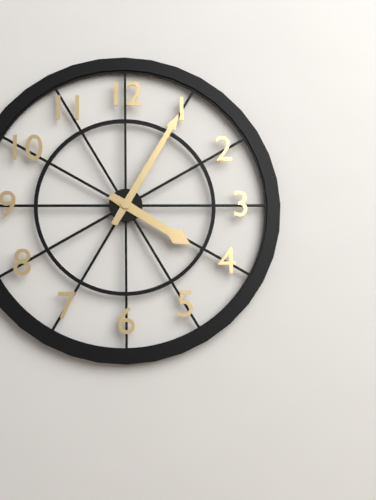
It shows 4,05
